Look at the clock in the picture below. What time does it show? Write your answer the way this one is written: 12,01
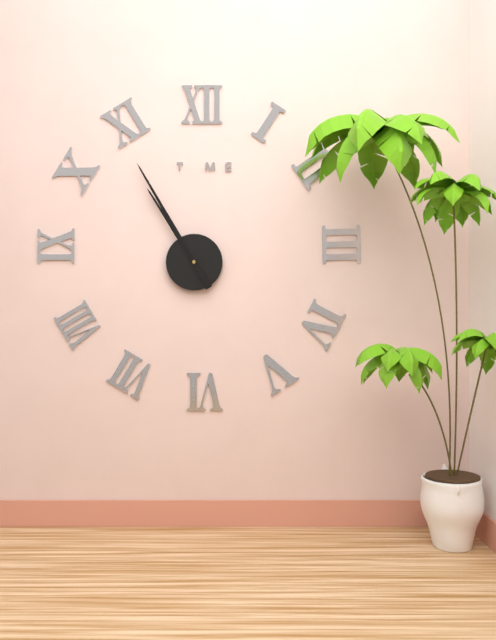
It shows 10,55
